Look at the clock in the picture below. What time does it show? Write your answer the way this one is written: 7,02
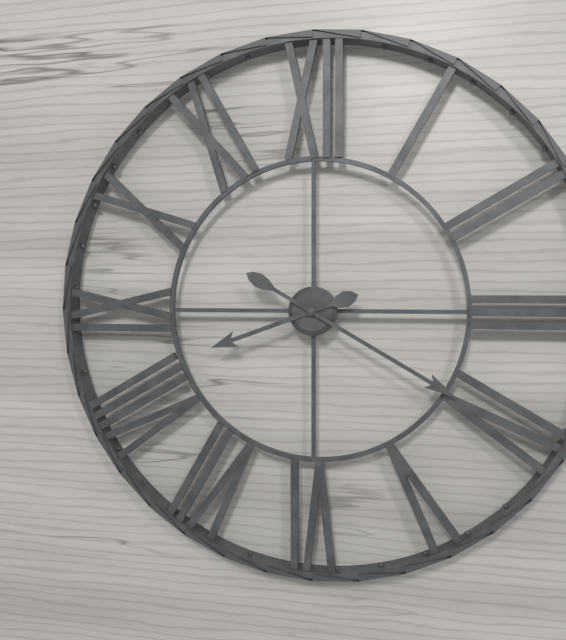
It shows 8,20
